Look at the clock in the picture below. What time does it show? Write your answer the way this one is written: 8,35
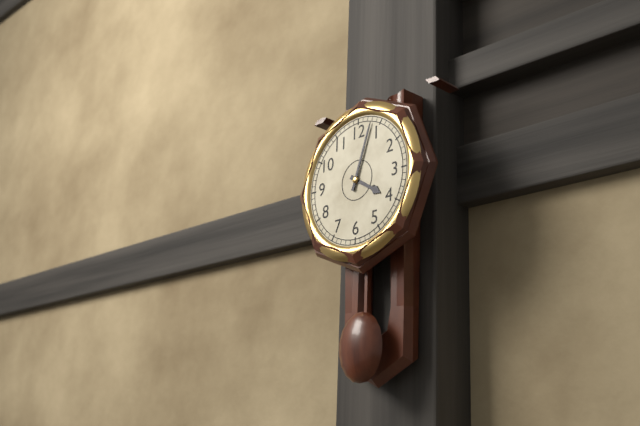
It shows 4,03
